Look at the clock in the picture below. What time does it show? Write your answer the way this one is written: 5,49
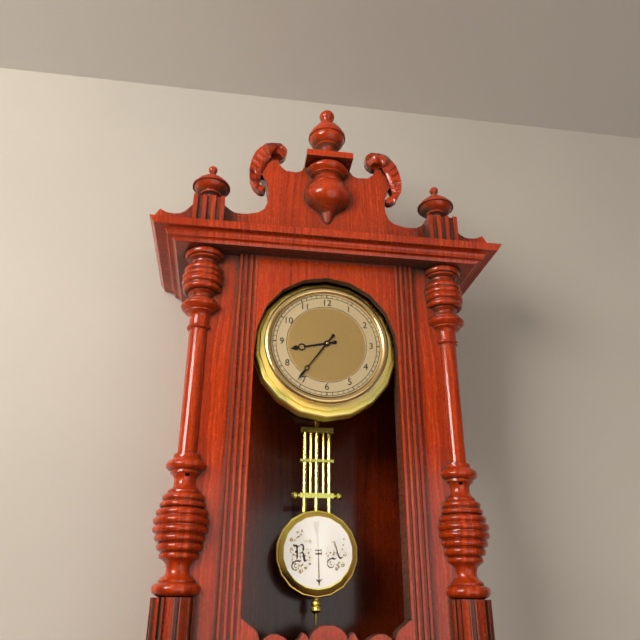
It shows 8,36
